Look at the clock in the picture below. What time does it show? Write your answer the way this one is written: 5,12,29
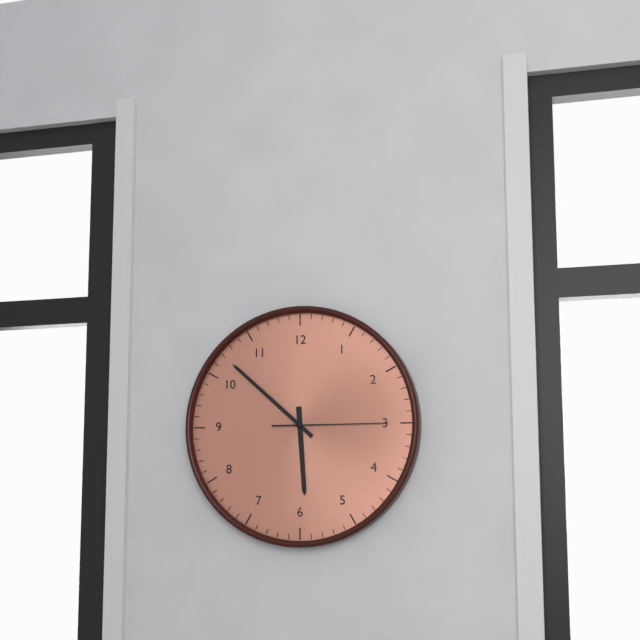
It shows 5,52,15
